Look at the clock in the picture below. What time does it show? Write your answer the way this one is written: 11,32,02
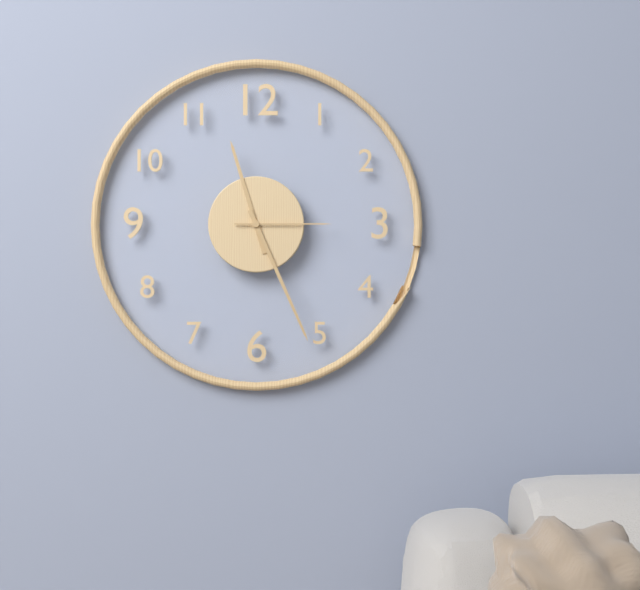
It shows 11,26,15
